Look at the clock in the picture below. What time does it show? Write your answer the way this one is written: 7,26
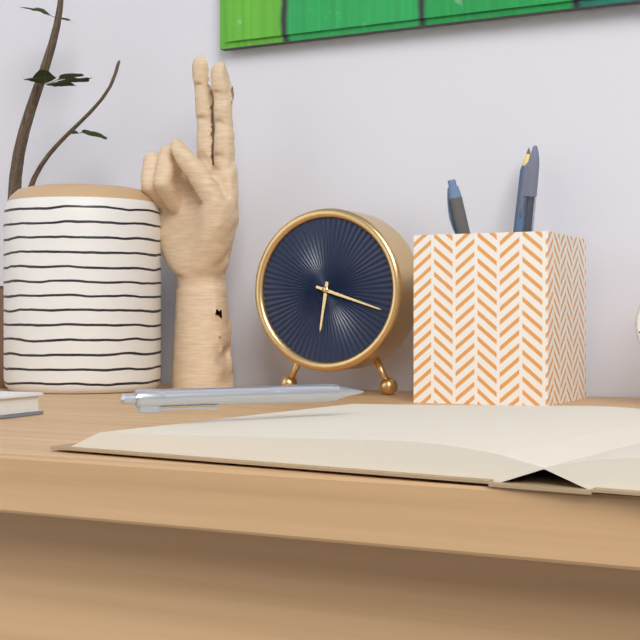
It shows 6,18
